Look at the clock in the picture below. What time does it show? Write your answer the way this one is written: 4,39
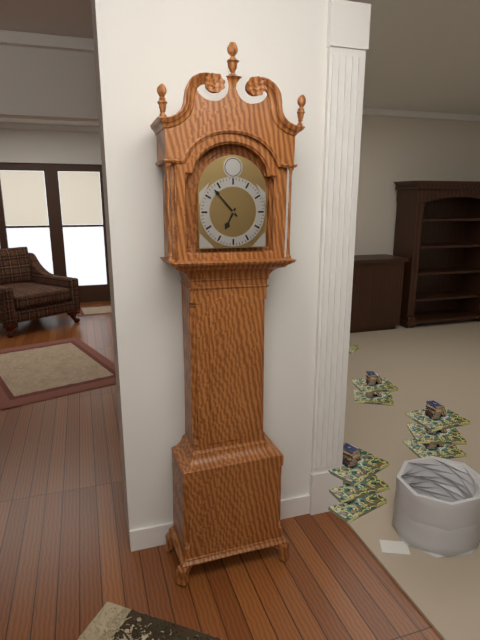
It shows 6,53
